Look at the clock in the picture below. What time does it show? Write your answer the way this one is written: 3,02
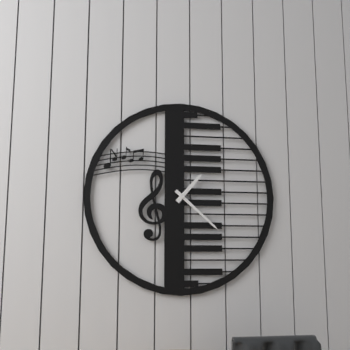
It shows 1,22
